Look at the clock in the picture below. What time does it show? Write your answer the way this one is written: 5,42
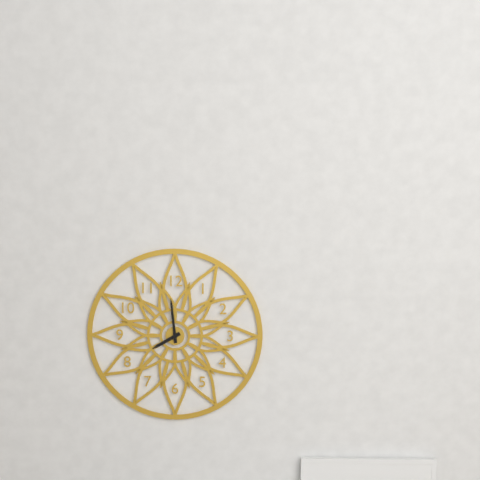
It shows 7,59
